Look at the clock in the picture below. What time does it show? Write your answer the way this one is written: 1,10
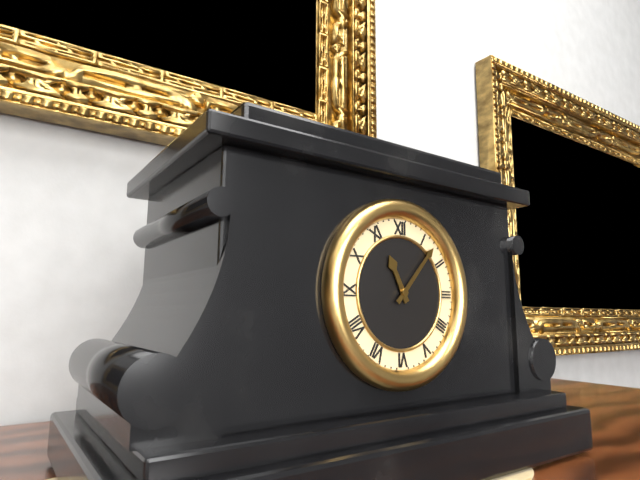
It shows 11,07
